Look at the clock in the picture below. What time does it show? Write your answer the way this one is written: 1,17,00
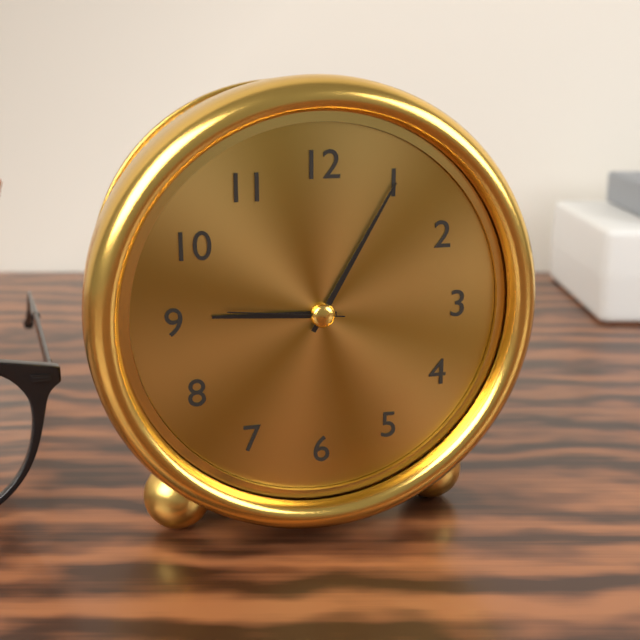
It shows 9,05,46
